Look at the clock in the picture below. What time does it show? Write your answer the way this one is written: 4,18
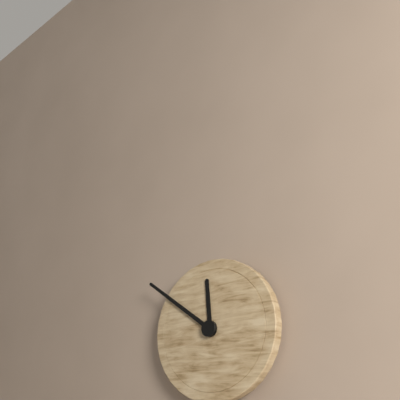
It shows 11,51
